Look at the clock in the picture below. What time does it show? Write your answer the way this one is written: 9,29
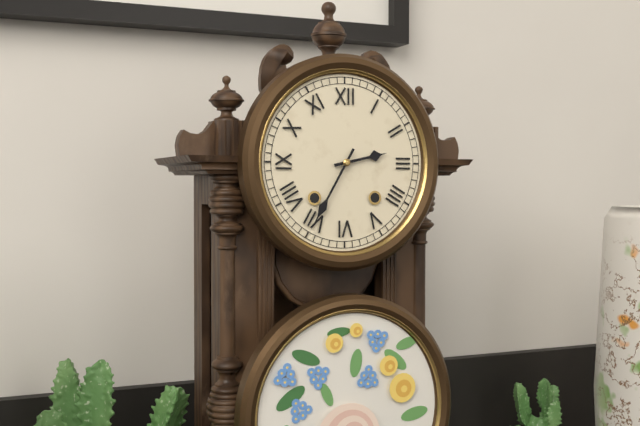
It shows 2,35
